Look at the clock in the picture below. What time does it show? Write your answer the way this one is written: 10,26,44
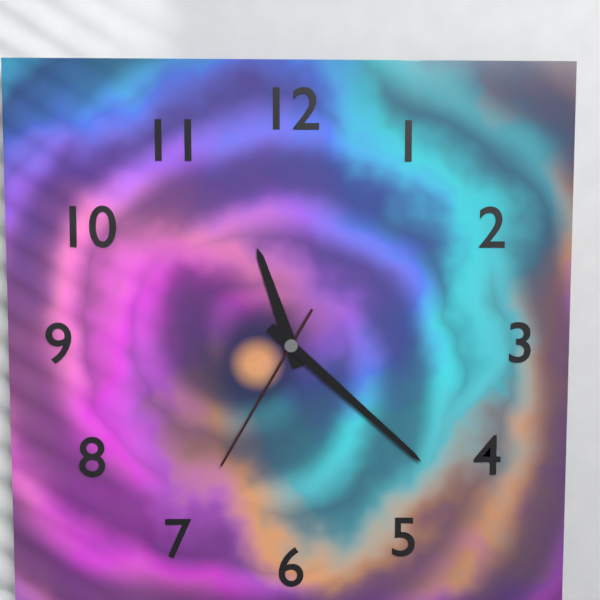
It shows 11,22,35
